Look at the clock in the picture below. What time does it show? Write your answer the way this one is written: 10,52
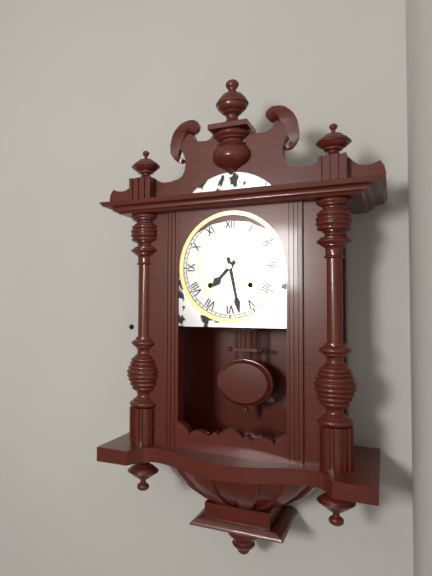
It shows 7,28
